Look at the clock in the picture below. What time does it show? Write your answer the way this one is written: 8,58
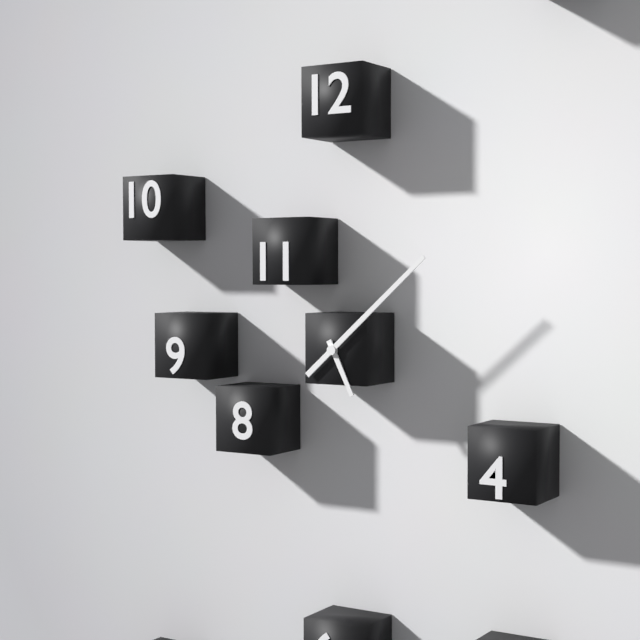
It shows 5,08
